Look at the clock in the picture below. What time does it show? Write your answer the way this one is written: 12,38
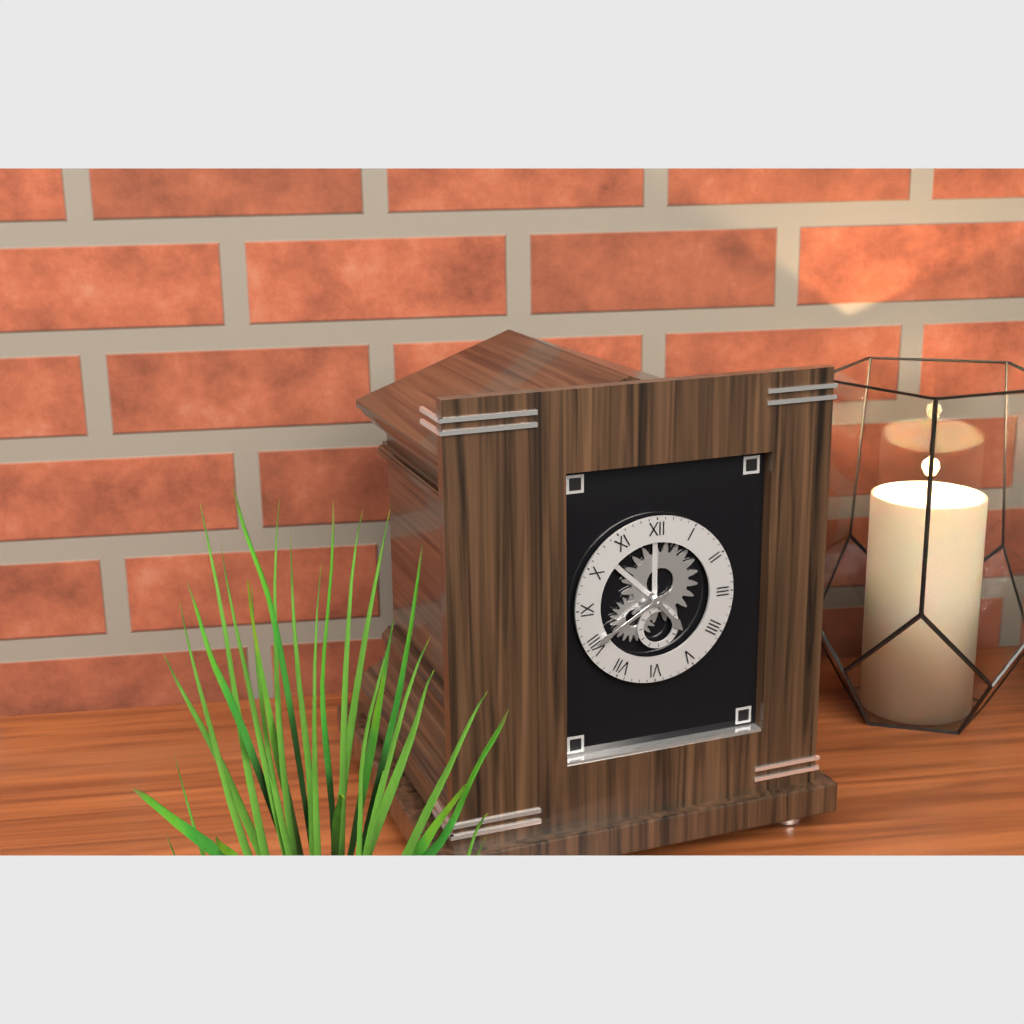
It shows 4,40
